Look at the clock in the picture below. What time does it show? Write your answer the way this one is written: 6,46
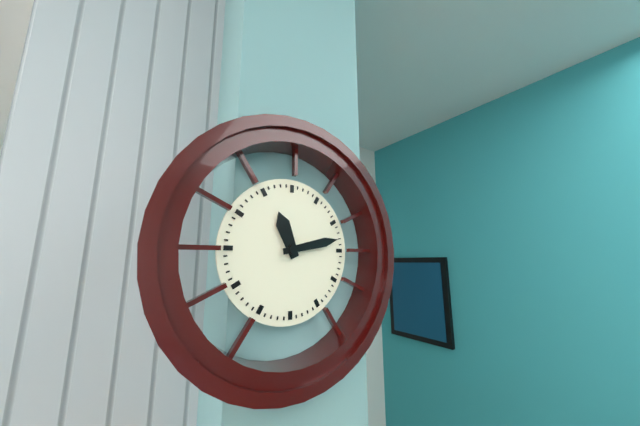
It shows 11,13
